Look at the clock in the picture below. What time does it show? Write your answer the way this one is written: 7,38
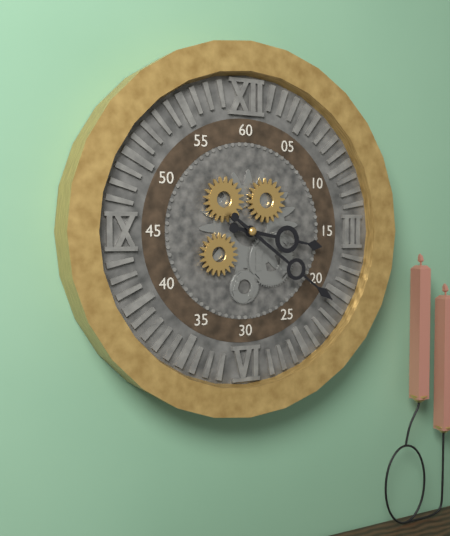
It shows 3,21
